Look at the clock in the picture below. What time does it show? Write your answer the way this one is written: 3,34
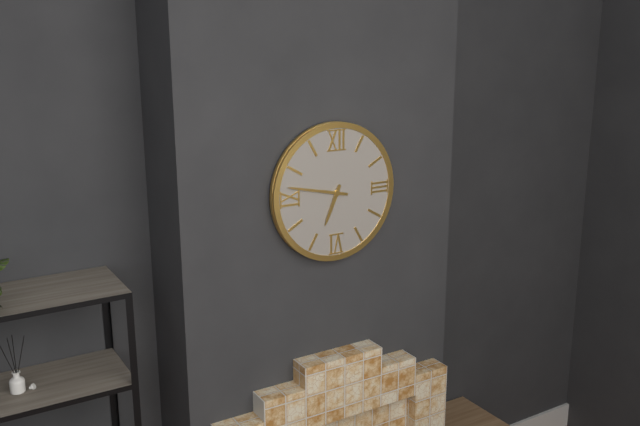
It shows 6,47
